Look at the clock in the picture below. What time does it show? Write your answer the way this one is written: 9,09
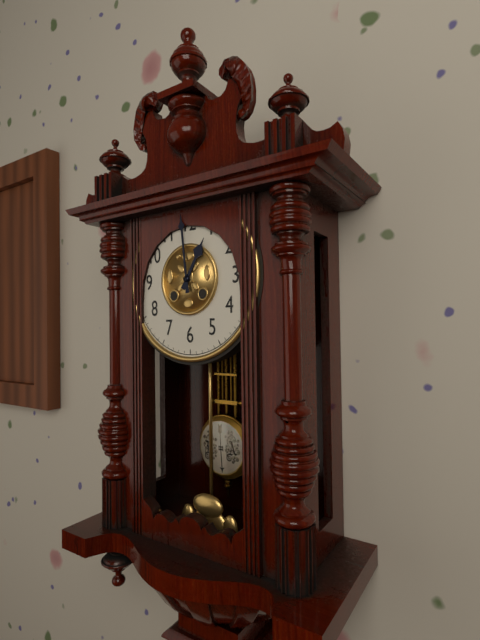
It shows 12,59
